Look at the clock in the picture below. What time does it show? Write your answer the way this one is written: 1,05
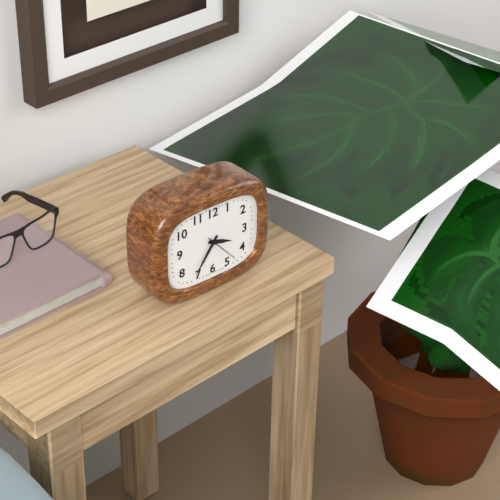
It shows 3,36
